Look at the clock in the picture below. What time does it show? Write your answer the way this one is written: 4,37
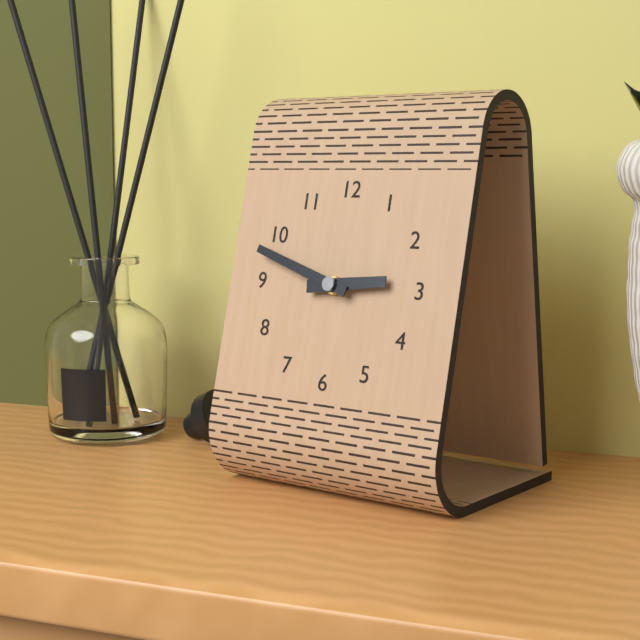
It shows 2,48
